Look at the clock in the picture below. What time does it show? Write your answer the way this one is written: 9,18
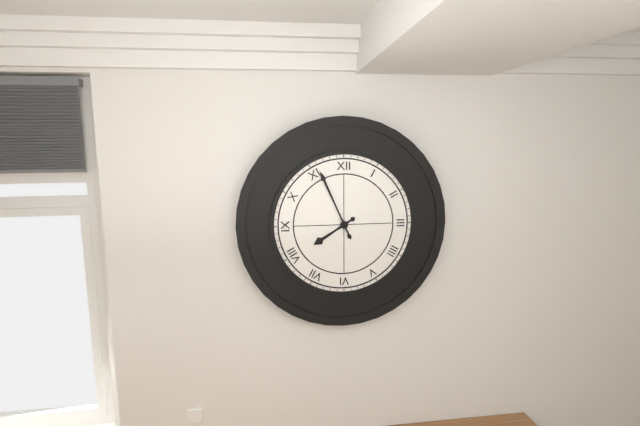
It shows 7,56
